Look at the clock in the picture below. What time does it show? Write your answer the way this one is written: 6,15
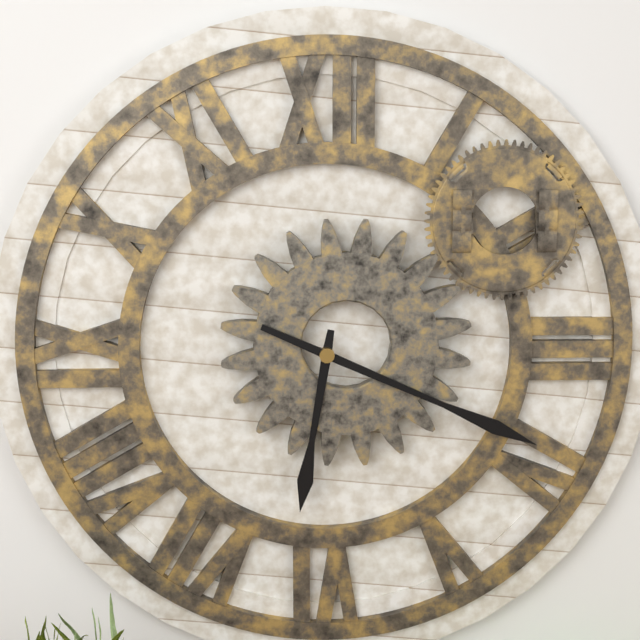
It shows 6,19
